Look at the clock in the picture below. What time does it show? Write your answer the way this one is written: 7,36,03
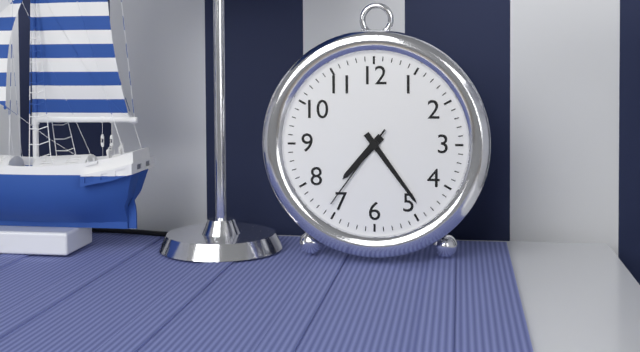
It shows 7,24,36
